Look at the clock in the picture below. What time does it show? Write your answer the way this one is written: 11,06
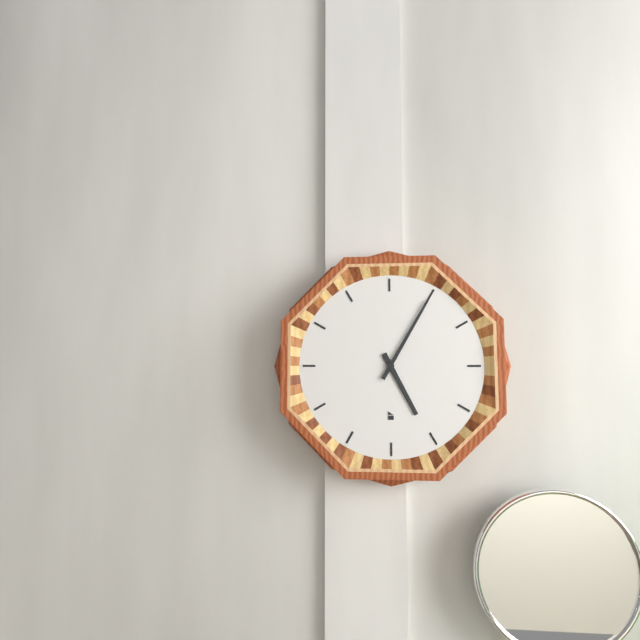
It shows 5,05
